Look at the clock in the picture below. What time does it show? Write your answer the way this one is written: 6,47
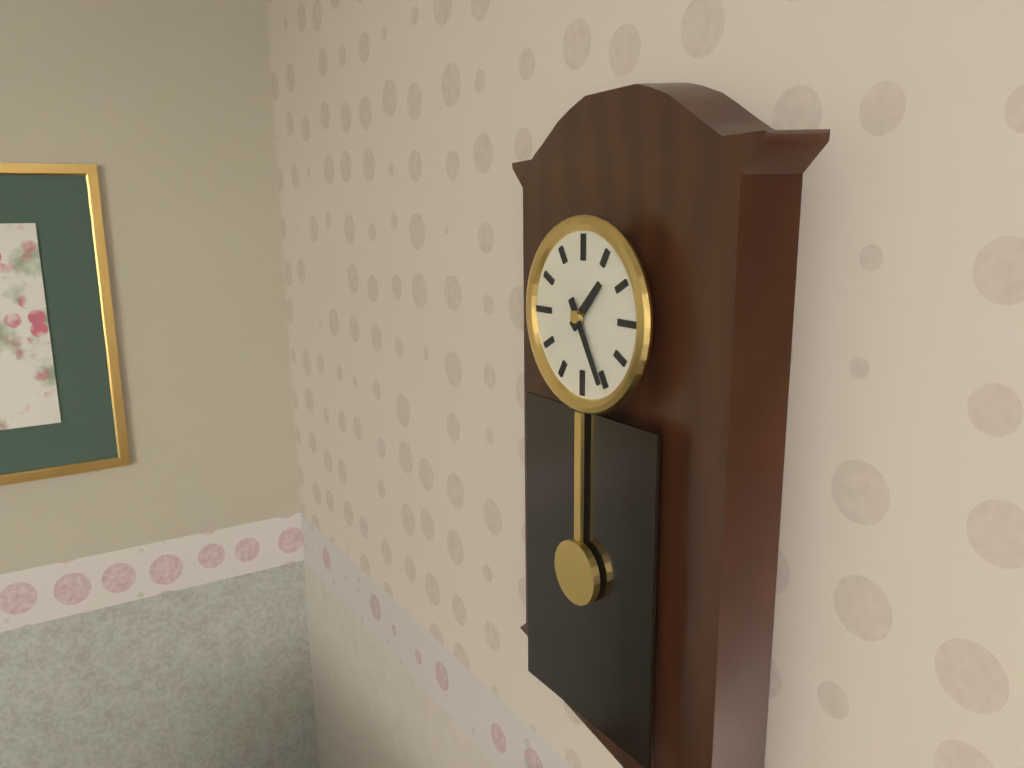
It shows 1,25
